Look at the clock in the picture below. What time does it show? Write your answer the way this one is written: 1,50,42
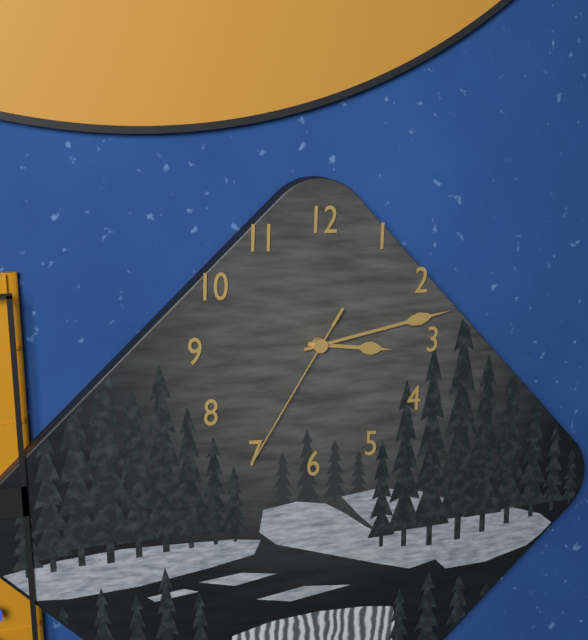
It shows 3,13,35
